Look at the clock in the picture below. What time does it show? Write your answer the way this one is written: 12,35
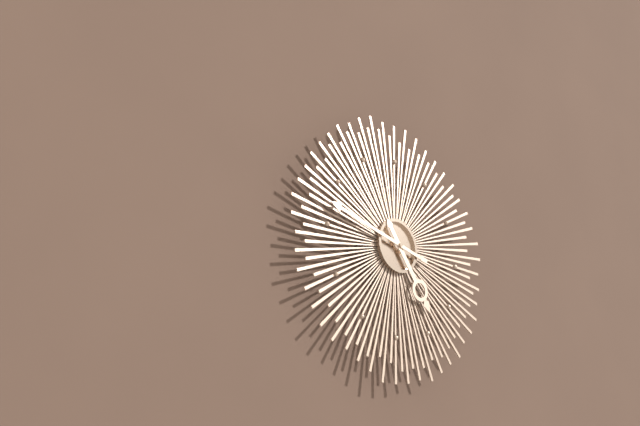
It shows 4,47
